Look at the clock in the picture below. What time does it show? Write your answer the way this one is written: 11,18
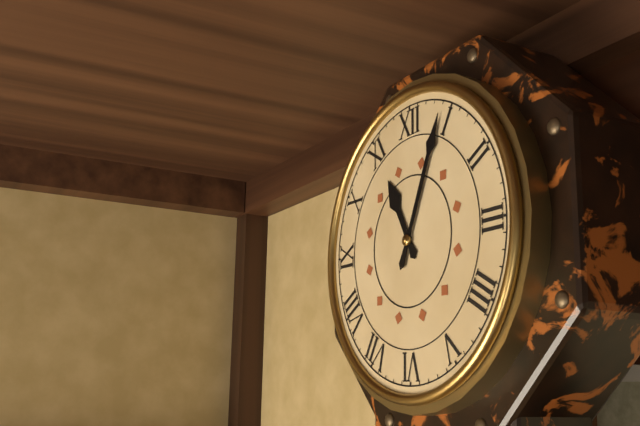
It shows 11,04
